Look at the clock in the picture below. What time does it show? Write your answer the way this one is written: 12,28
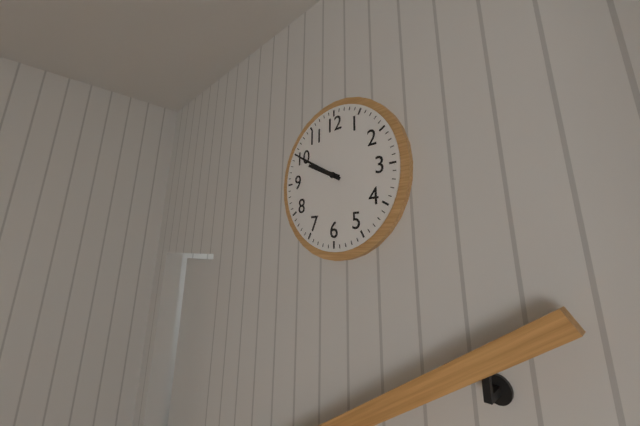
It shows 9,50
